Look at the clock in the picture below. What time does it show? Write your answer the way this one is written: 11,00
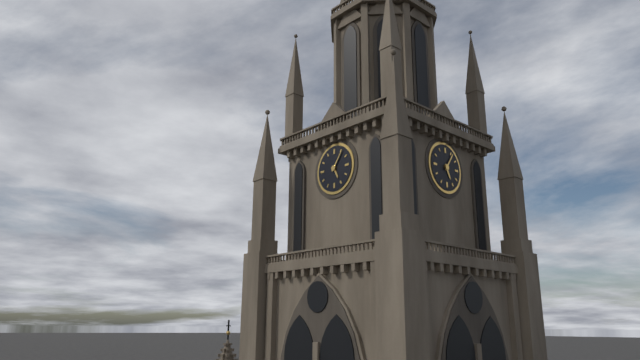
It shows 5,06
